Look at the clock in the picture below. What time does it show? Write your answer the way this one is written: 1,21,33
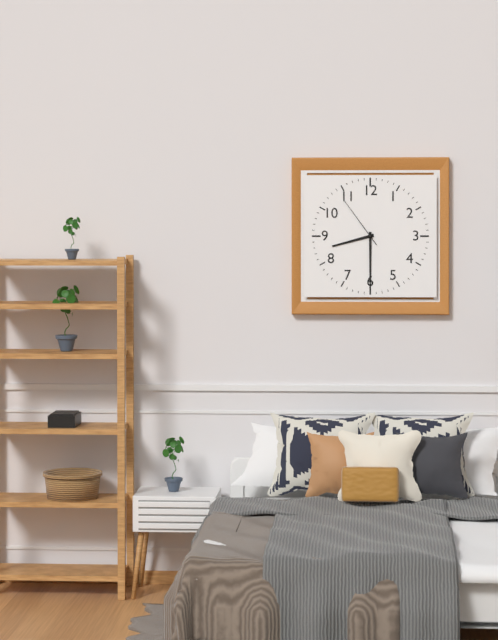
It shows 8,30,54
